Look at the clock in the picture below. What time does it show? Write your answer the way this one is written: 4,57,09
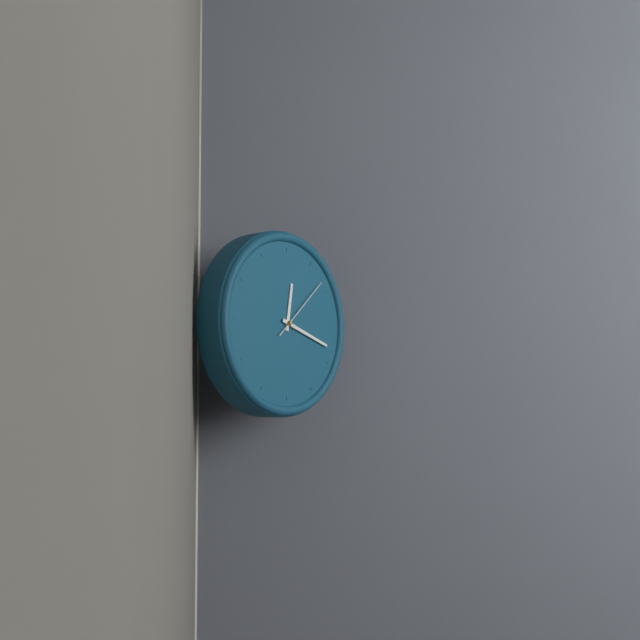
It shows 12,18,08
